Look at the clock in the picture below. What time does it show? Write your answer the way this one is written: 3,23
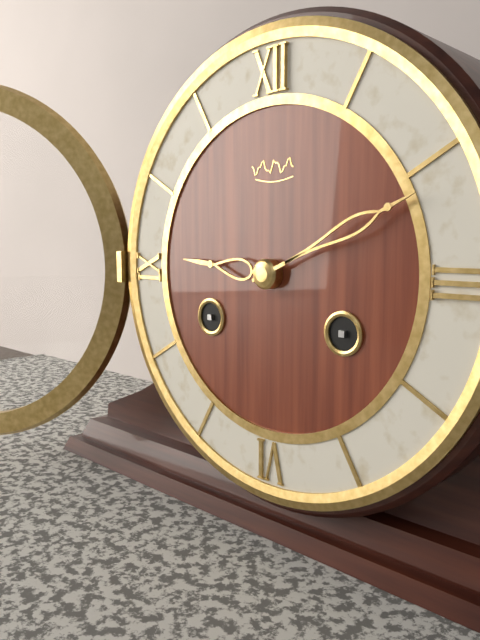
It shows 9,11
